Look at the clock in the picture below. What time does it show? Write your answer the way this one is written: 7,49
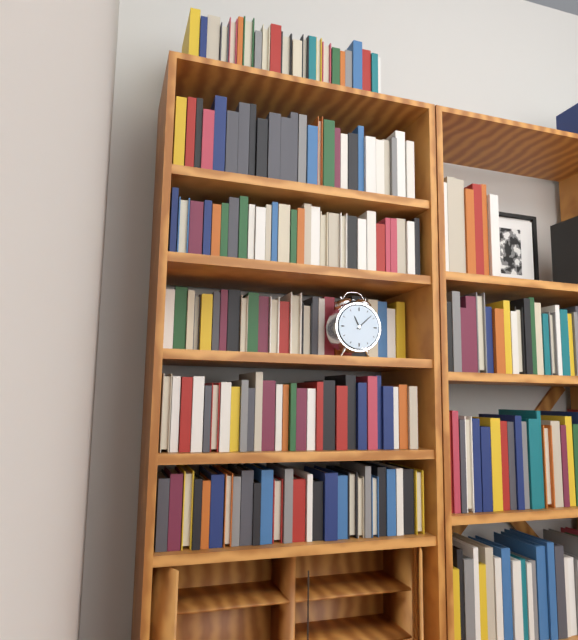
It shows 11,08
